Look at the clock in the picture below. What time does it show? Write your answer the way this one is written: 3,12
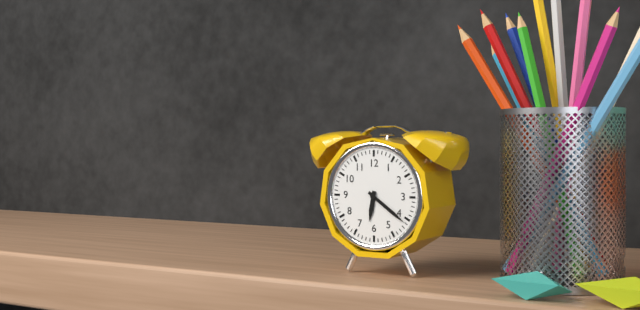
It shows 6,21
